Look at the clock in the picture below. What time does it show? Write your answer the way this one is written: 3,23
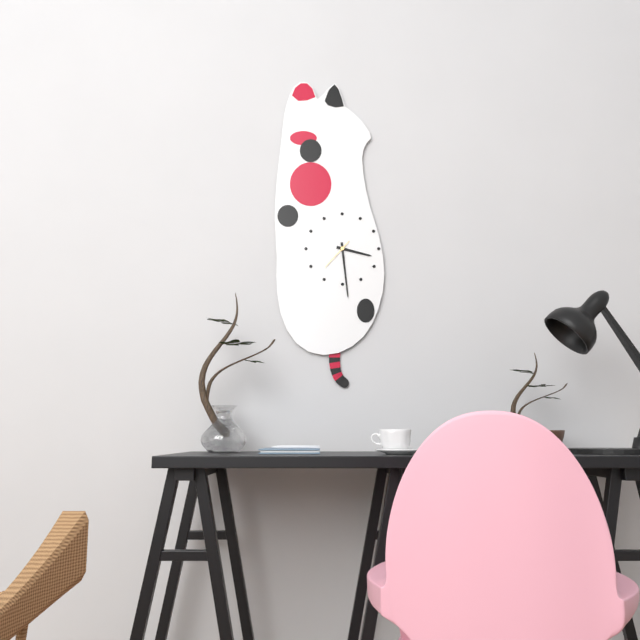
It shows 3,29
